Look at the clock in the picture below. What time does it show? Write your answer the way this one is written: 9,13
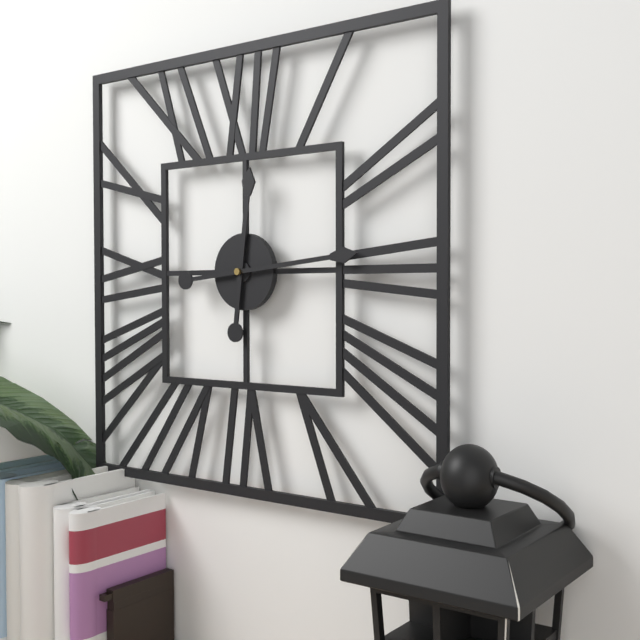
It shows 12,14
